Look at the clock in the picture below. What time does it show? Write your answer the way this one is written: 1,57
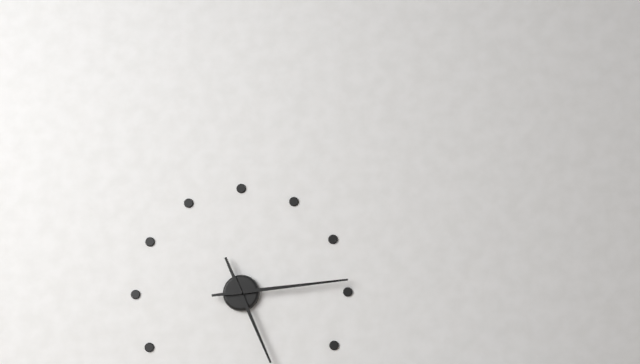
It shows 5,14
